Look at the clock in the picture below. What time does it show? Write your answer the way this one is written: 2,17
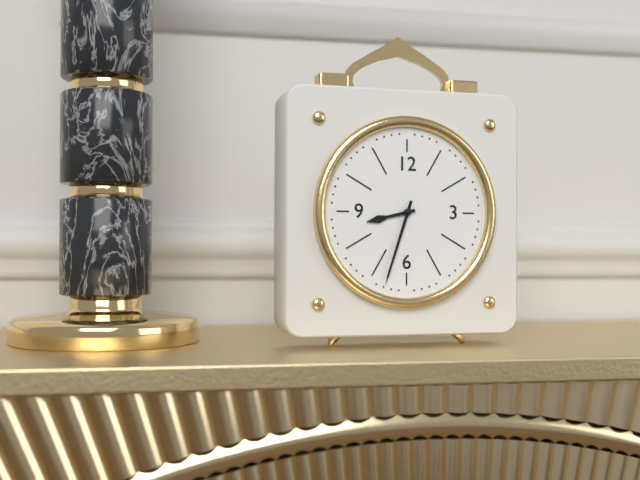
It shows 8,33
